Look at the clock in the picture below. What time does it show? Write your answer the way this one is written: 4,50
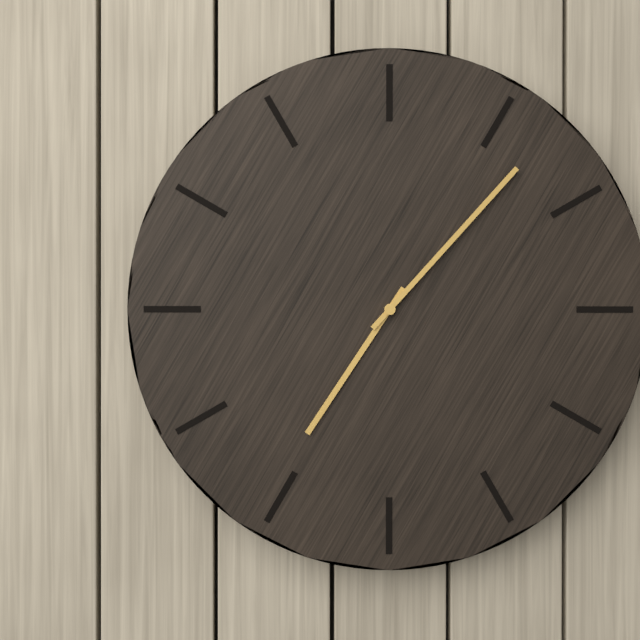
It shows 7,07
